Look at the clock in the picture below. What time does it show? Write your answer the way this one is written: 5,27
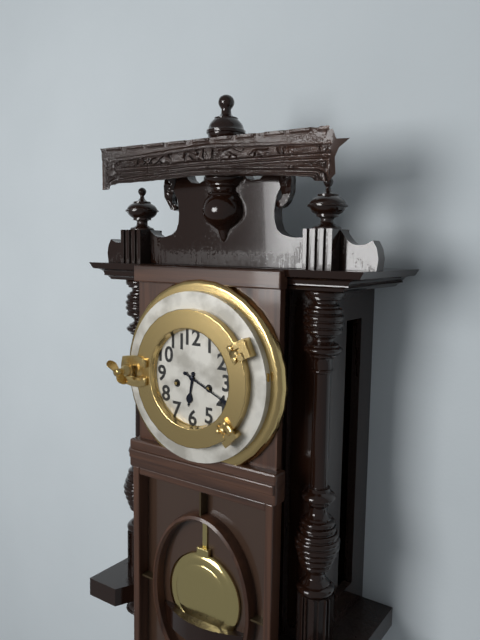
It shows 6,19
